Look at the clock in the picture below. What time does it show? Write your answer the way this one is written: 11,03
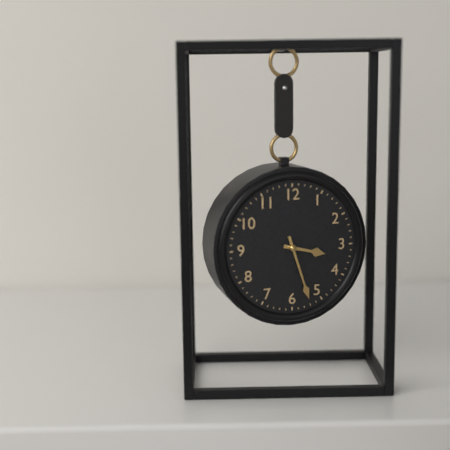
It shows 3,27
